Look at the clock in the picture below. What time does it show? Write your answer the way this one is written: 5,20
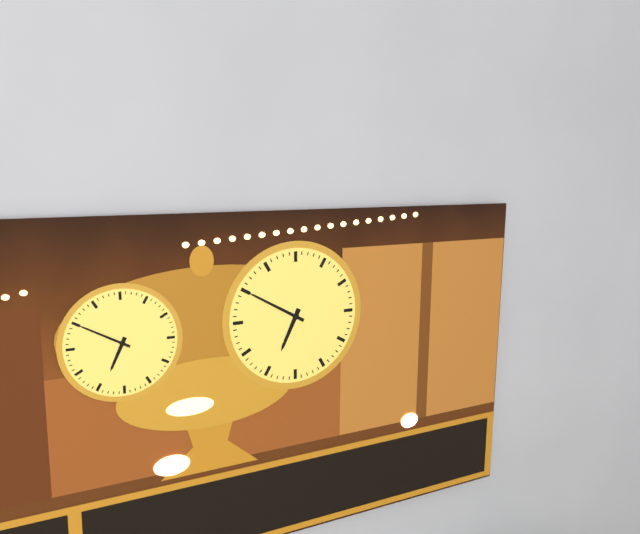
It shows 6,50
